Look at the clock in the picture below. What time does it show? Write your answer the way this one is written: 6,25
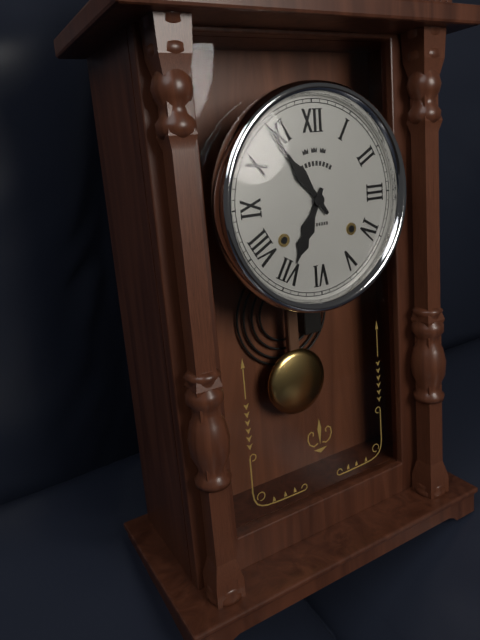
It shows 6,54
